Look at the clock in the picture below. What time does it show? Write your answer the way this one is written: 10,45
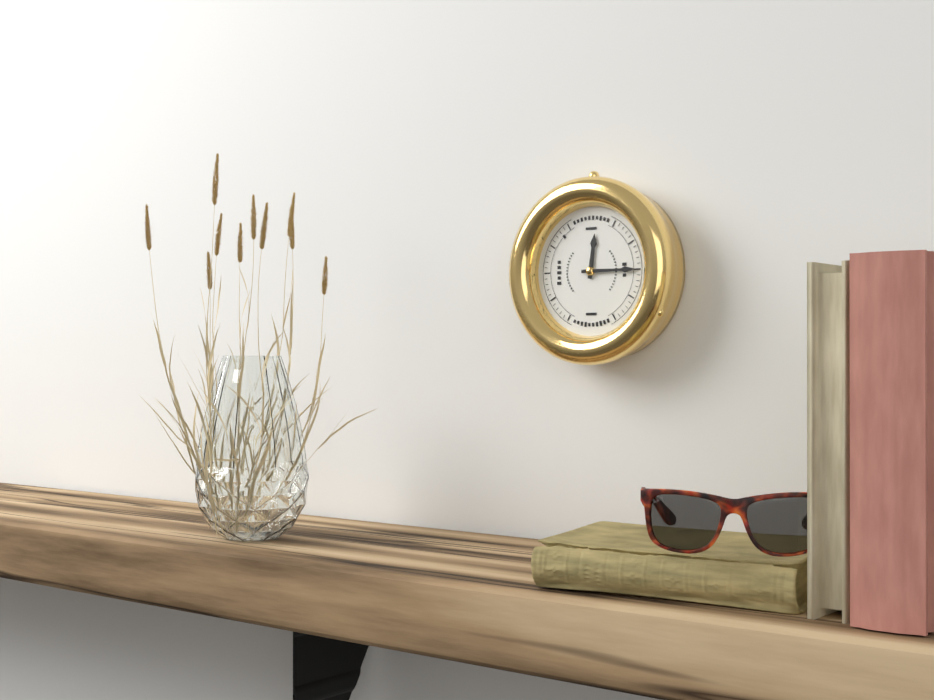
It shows 12,15
